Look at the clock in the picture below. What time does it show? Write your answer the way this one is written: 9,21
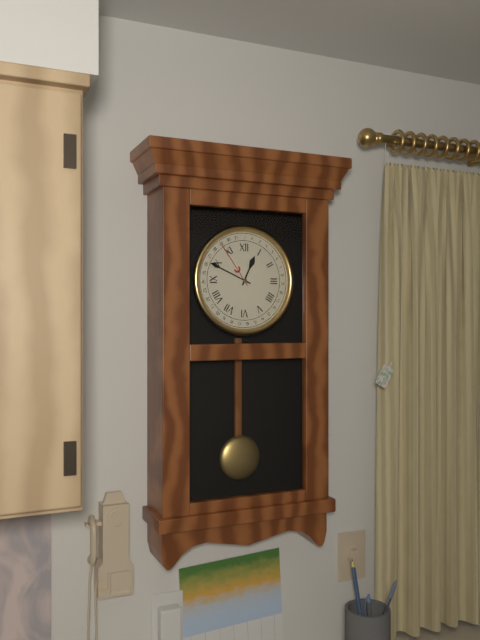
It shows 12,49
